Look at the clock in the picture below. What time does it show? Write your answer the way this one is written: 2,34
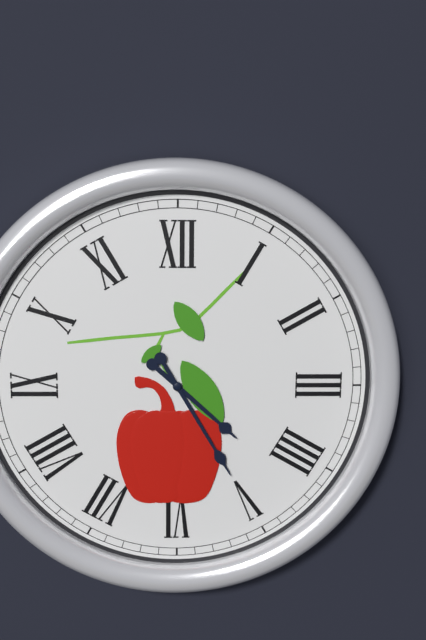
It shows 4,25
